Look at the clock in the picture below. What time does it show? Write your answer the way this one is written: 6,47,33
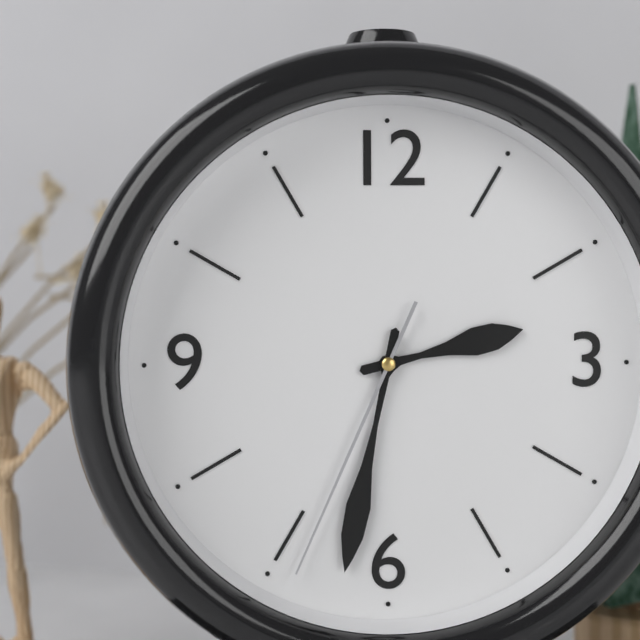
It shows 2,32,34
